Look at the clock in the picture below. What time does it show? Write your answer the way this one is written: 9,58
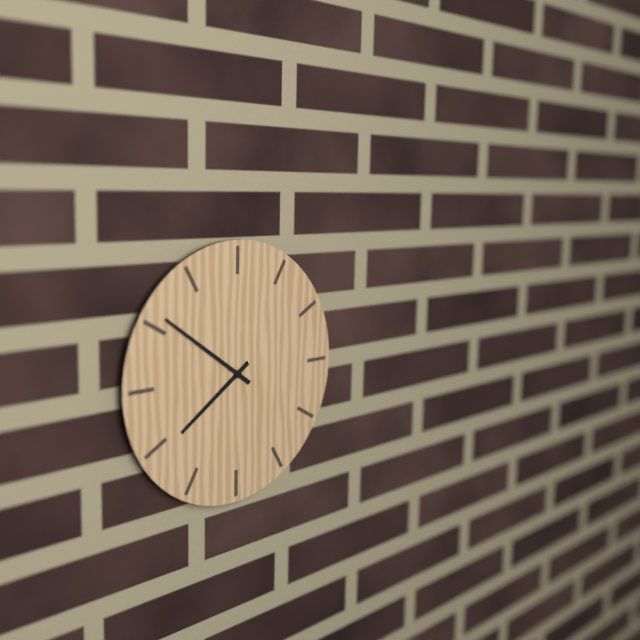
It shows 7,51
